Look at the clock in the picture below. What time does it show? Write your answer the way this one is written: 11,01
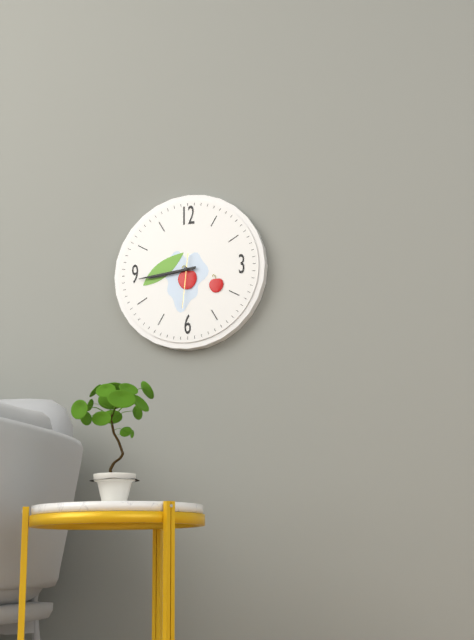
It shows 8,44
